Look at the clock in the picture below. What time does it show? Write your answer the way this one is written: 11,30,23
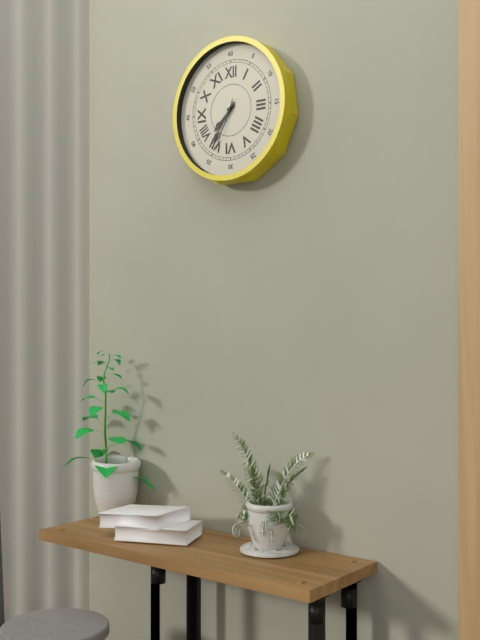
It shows 7,36,34
